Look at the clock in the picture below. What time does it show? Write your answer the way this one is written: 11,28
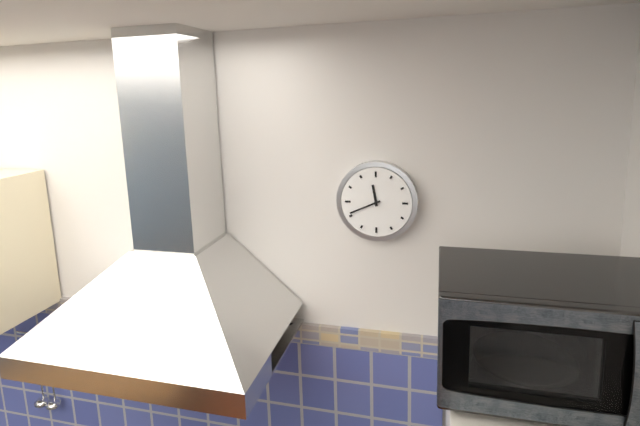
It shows 11,41
